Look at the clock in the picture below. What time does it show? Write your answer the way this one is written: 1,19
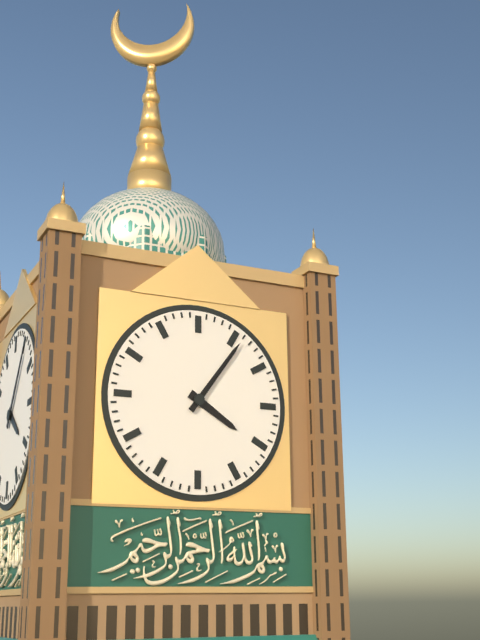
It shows 4,06
